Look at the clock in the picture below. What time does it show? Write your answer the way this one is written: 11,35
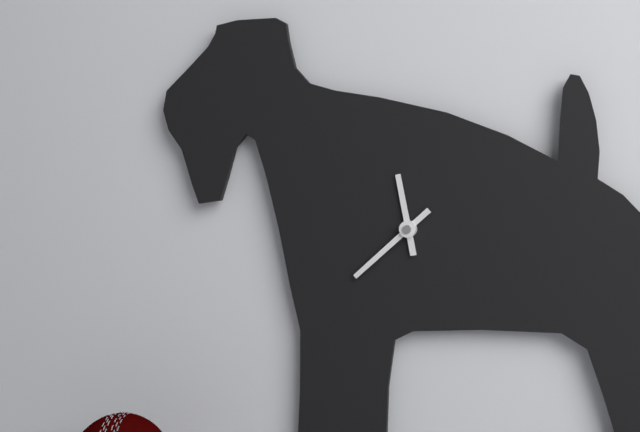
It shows 11,38
